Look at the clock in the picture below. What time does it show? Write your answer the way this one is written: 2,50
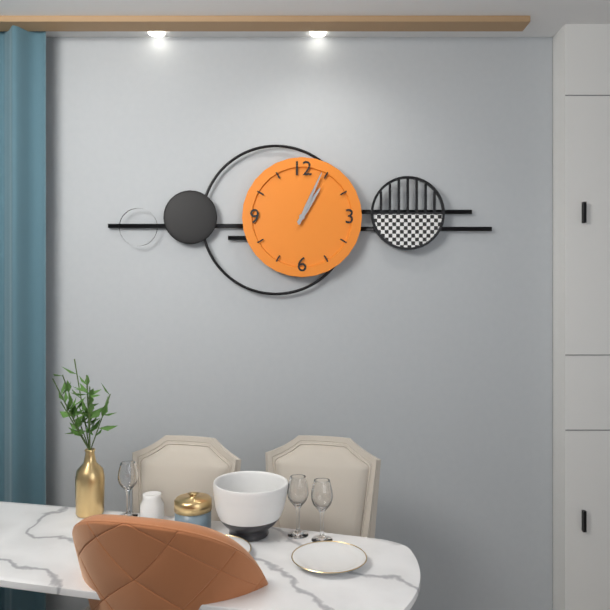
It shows 1,04
